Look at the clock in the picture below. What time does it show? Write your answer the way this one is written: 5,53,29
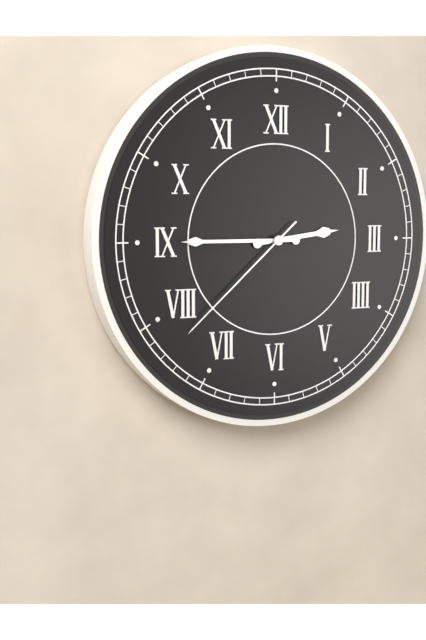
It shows 2,45,38
